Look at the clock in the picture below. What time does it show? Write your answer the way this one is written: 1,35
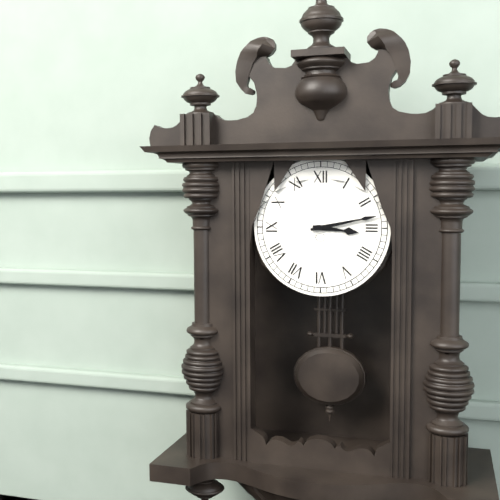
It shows 3,13
